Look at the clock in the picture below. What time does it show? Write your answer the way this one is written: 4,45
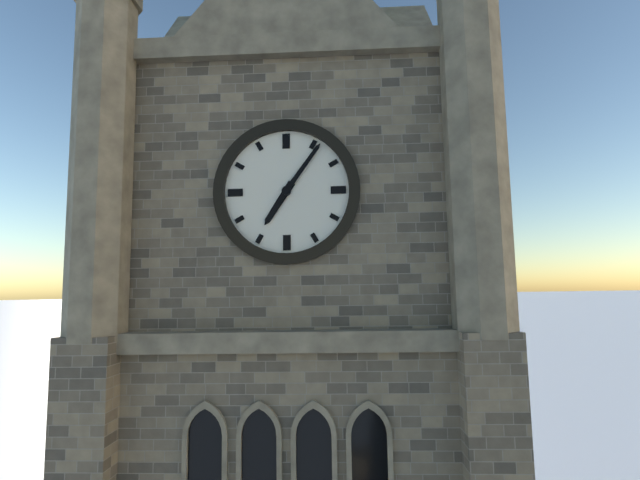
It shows 7,06
